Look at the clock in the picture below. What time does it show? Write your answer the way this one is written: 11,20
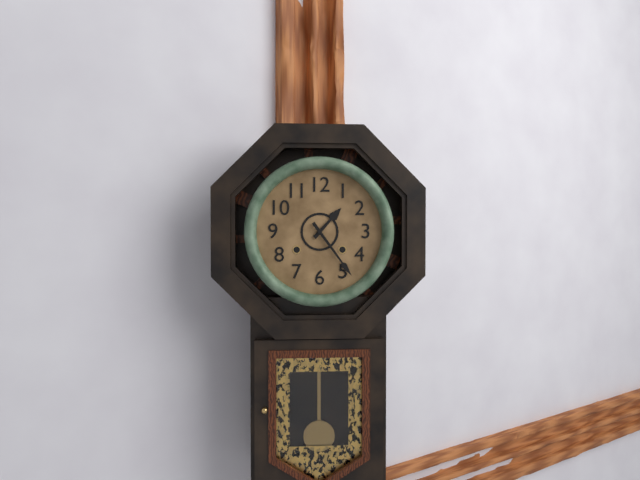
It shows 1,24
